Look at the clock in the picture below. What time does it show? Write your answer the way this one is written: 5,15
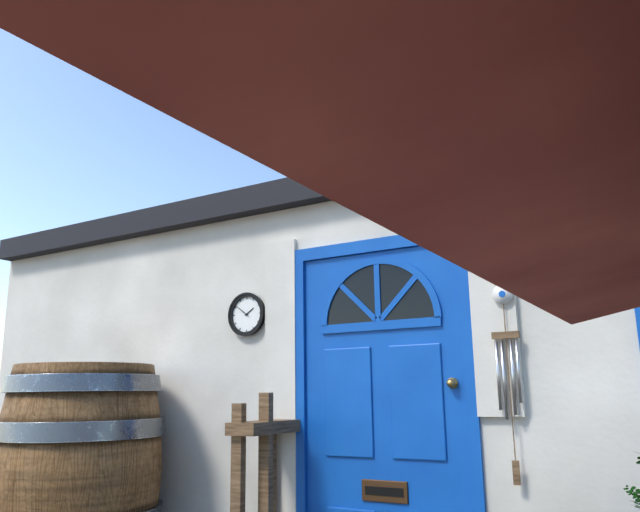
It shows 1,51
